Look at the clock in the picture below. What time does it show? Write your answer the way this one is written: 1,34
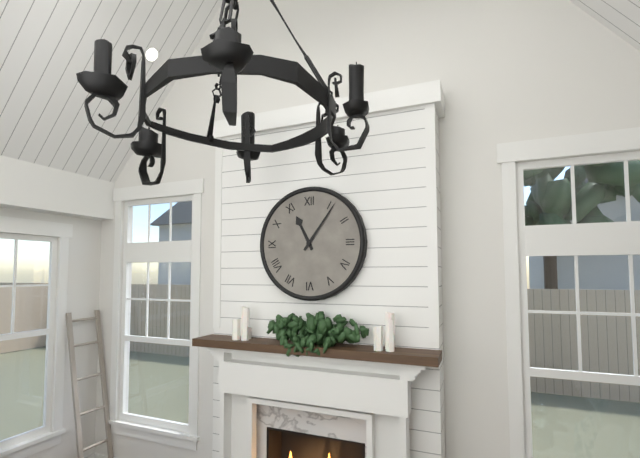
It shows 11,06
